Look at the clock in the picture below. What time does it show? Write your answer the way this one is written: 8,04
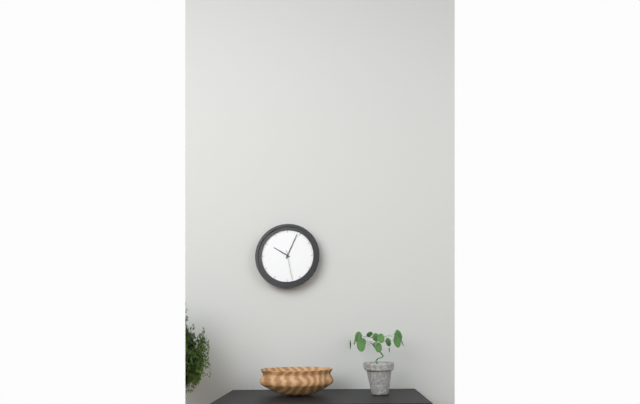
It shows 10,04
